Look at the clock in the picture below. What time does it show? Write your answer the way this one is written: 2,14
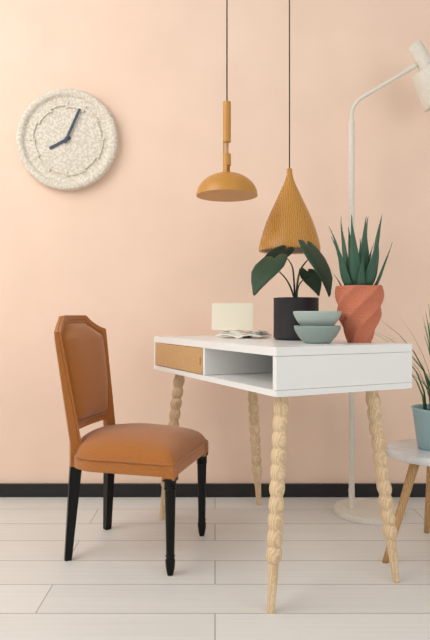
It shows 8,04
